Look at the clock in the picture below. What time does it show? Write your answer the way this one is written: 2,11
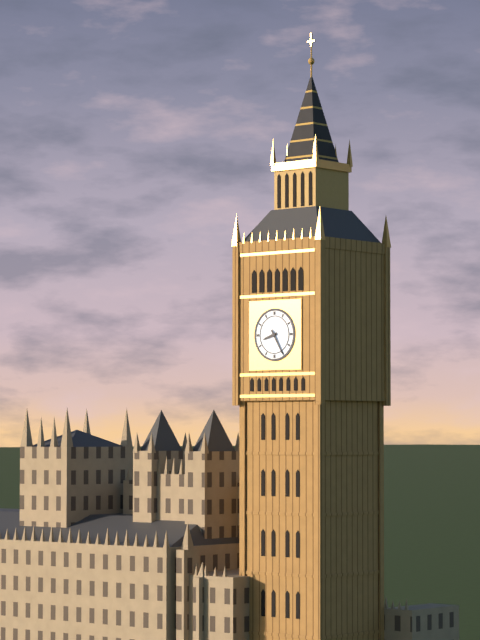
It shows 8,25
